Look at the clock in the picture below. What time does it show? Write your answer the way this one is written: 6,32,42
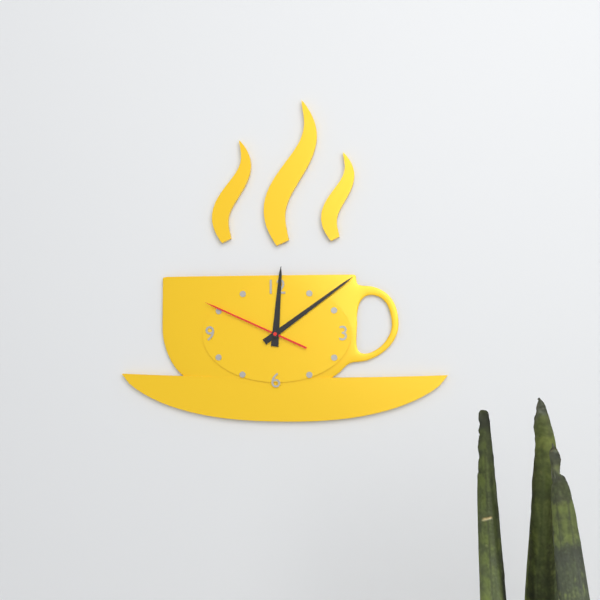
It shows 12,09,49
